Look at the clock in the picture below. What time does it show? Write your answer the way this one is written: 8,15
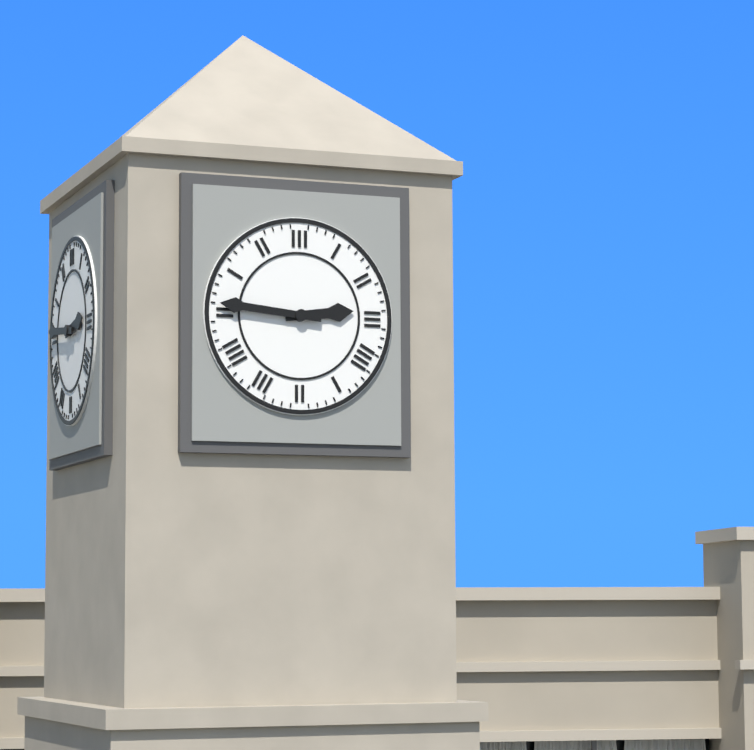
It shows 2,46
